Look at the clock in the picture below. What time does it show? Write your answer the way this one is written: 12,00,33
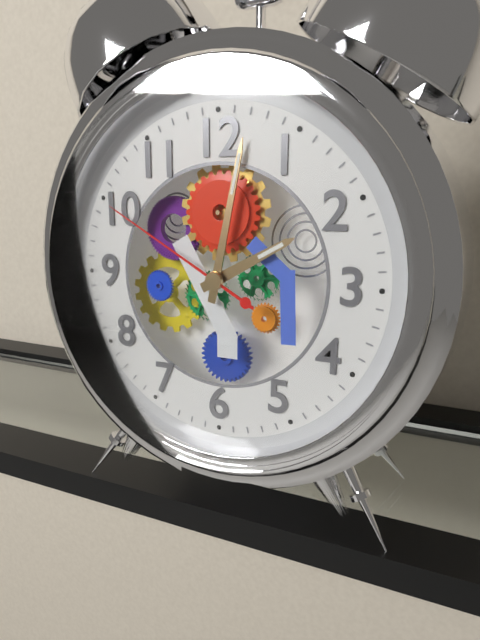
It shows 2,02,50
